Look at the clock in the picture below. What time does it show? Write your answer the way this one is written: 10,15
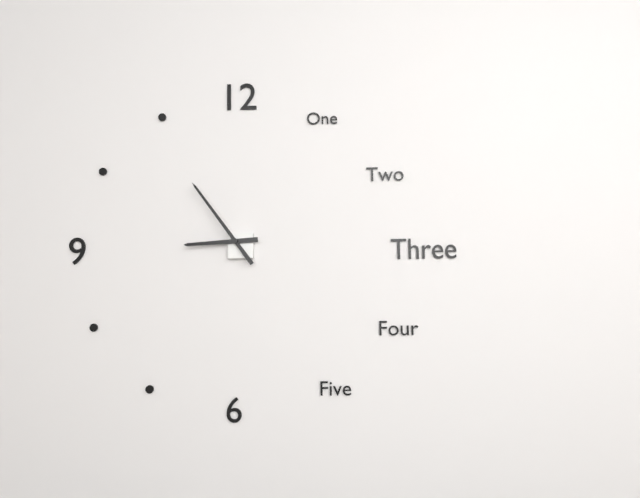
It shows 8,54
